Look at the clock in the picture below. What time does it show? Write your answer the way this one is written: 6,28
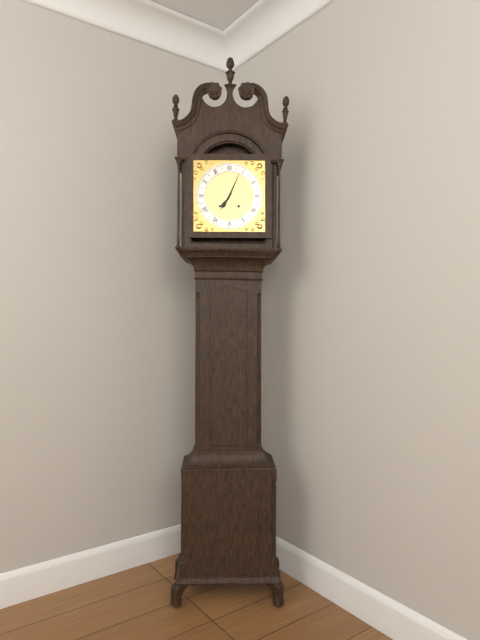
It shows 7,04
